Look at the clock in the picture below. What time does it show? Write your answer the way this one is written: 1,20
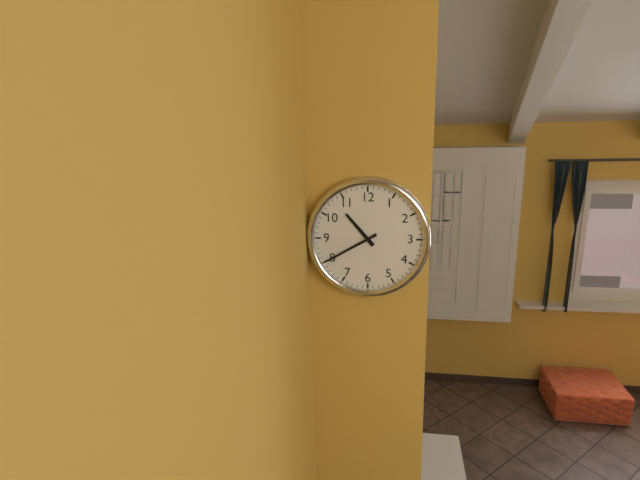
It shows 10,40
